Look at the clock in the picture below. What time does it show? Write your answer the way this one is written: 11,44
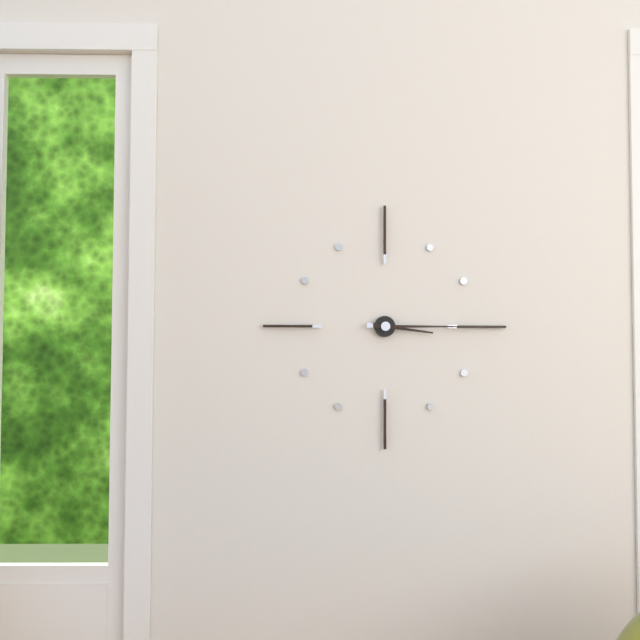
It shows 3,15
